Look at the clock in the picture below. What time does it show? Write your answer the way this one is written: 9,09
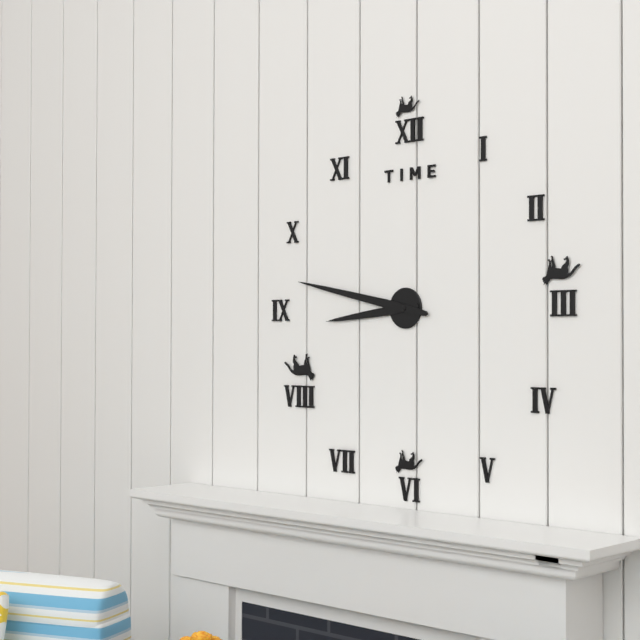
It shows 8,47
